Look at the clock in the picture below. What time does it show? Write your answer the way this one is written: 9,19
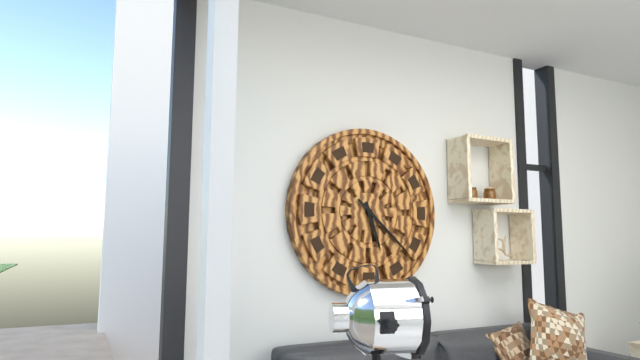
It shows 5,22
